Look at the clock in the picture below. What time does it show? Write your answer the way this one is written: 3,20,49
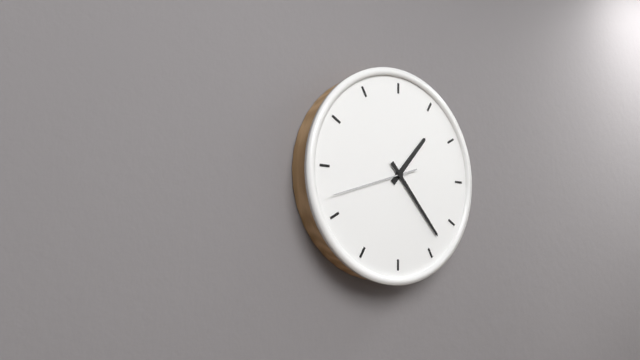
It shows 1,23,42
